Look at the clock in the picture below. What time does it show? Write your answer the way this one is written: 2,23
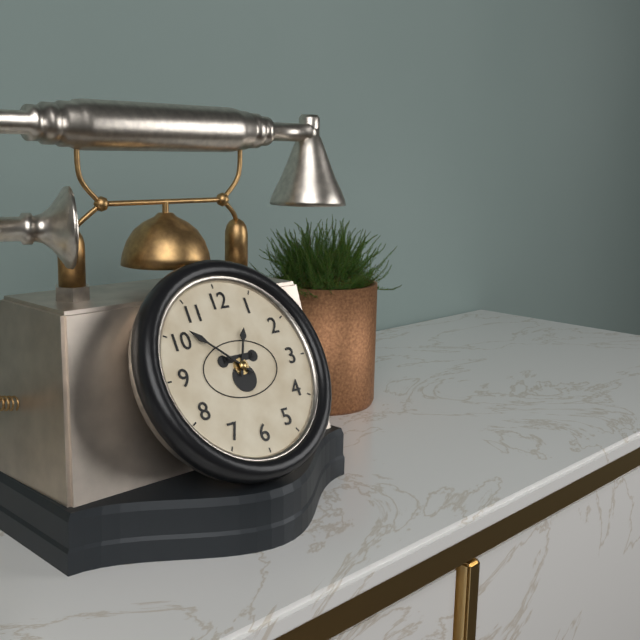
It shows 12,52
